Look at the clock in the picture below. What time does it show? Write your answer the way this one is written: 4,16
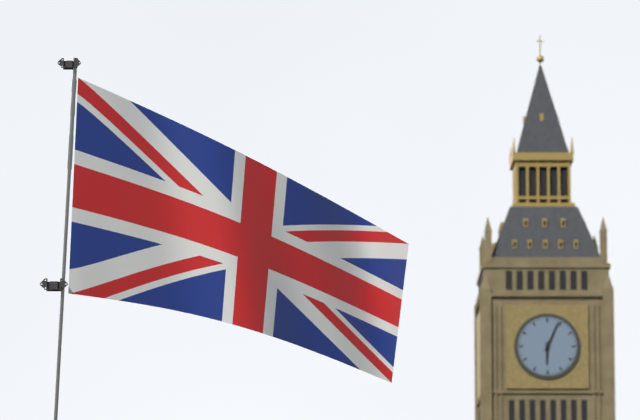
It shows 6,04
